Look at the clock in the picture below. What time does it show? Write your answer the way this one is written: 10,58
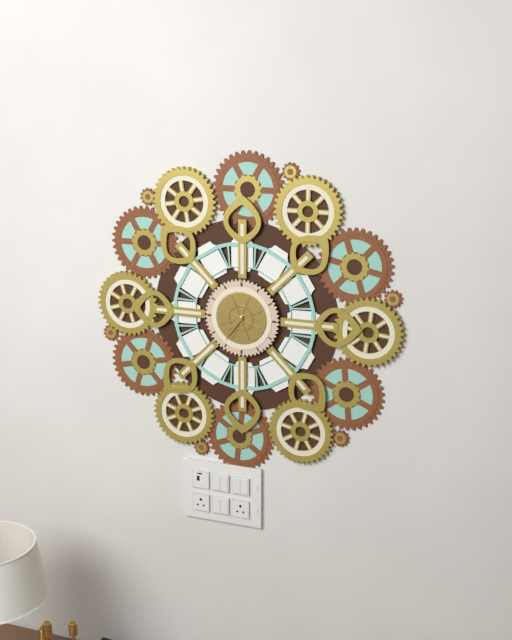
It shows 7,36
